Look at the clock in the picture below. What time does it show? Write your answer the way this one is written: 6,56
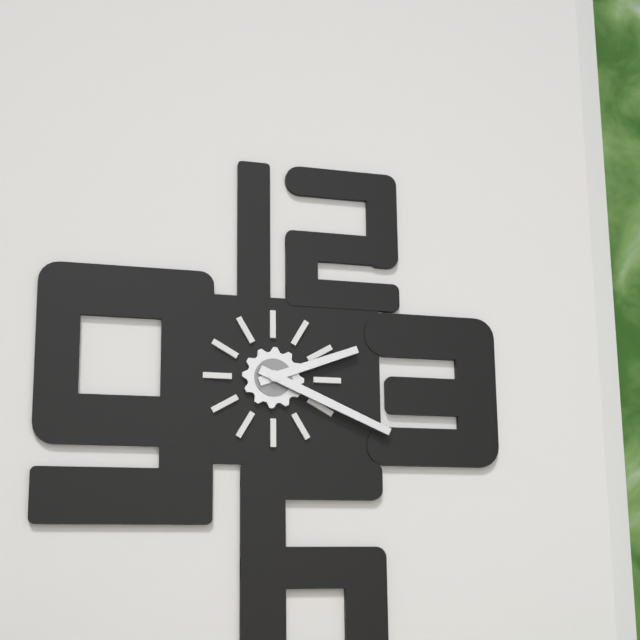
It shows 2,19
